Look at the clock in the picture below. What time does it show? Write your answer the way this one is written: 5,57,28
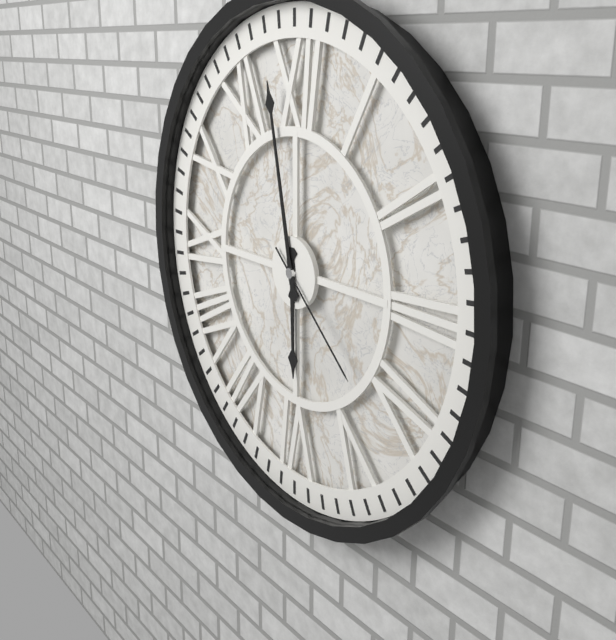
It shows 5,58,22
